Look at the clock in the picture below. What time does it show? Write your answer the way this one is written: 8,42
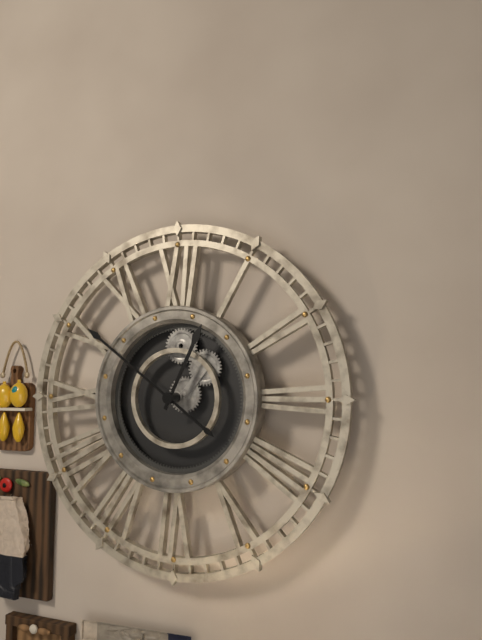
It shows 12,51
